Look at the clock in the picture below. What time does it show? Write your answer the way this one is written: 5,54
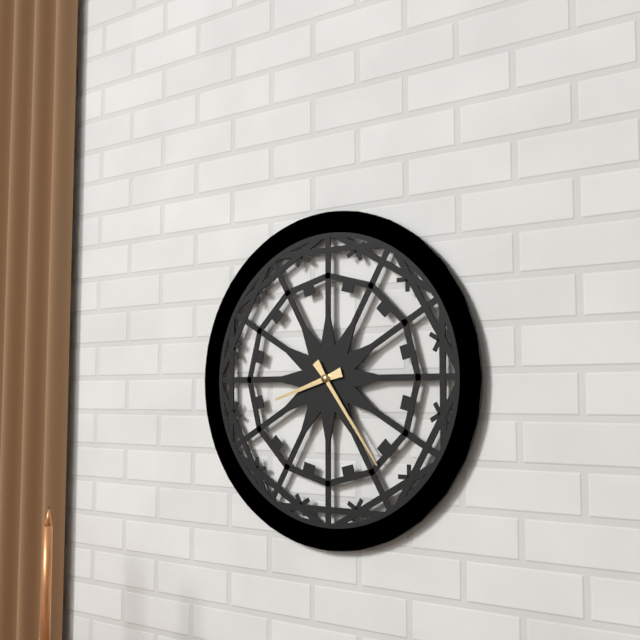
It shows 8,24
